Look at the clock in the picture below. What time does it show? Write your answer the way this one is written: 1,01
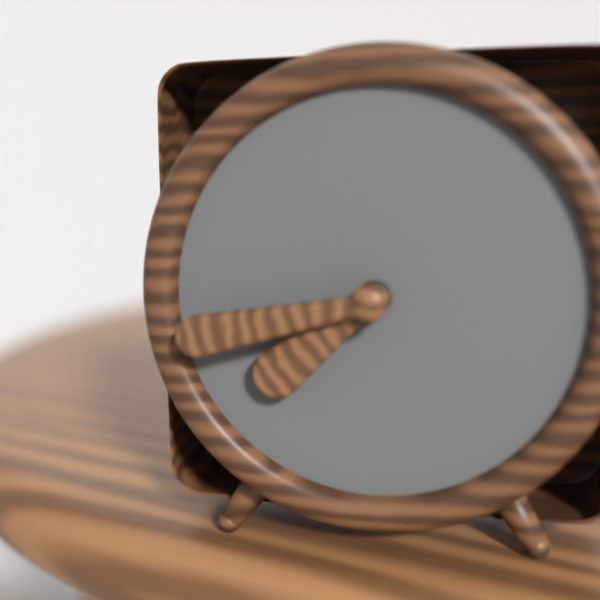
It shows 7,43
